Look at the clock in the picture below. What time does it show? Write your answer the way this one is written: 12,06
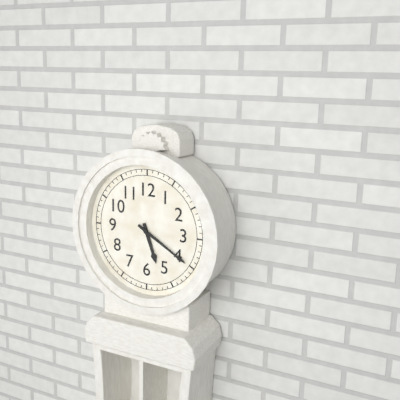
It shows 5,20
